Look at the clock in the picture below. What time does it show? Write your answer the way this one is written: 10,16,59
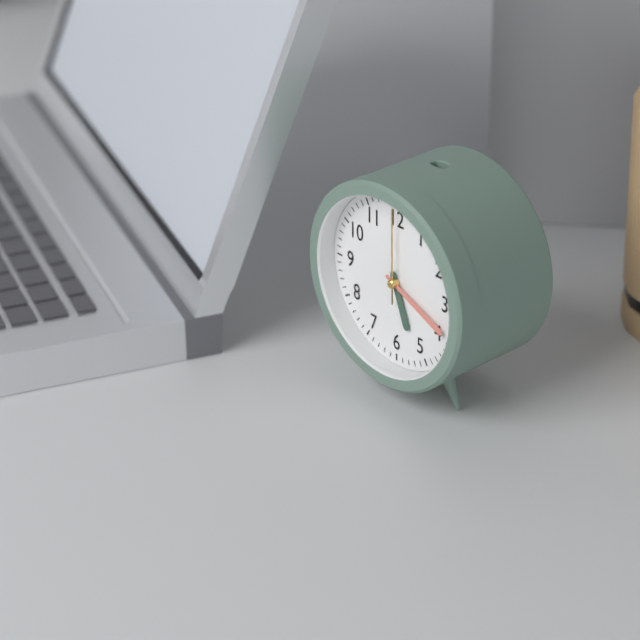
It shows 5,19,00
